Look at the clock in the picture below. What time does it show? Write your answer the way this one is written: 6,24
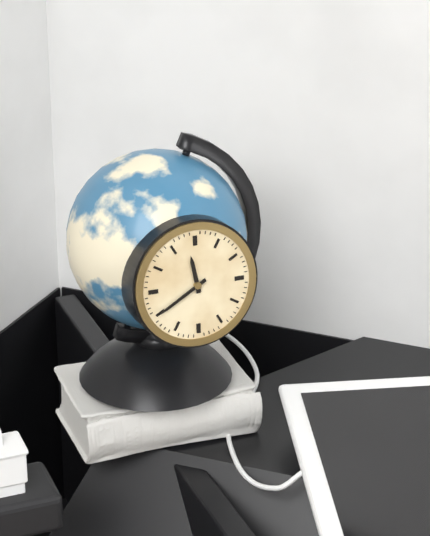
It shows 11,40
